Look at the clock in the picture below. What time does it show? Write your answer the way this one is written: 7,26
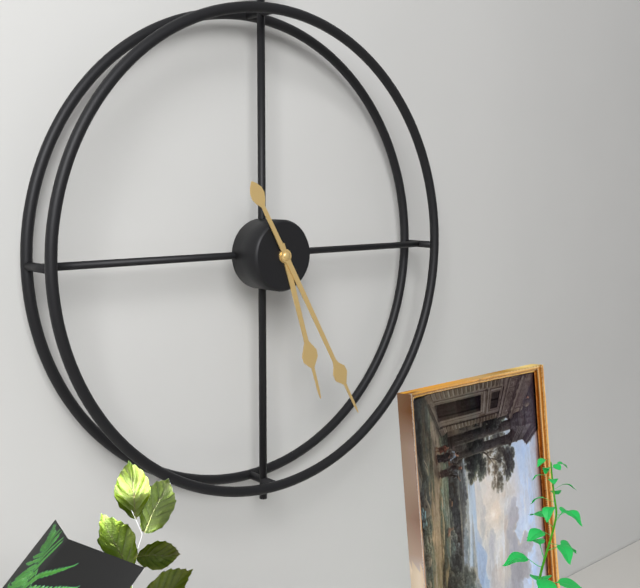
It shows 5,25
